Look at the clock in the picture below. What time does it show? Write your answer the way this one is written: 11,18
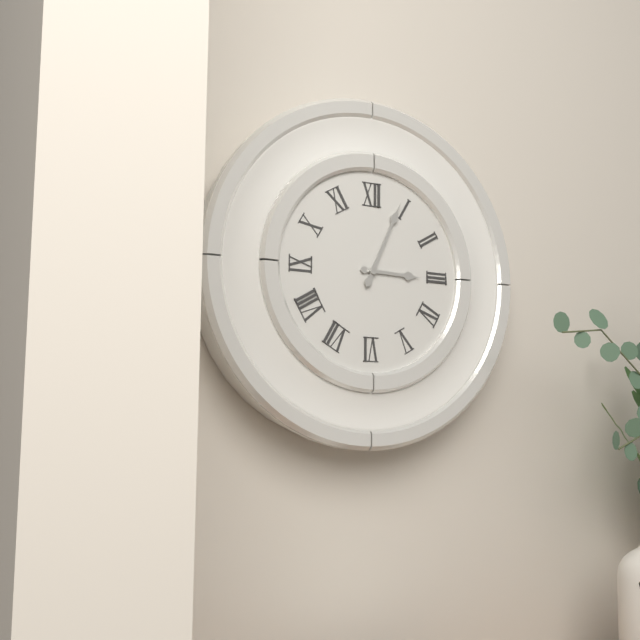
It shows 3,04
